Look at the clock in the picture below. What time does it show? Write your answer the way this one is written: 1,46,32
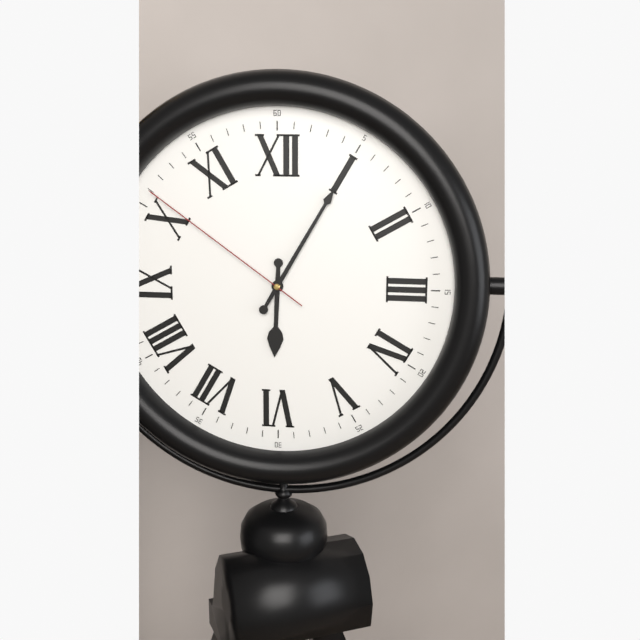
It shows 6,05,51
